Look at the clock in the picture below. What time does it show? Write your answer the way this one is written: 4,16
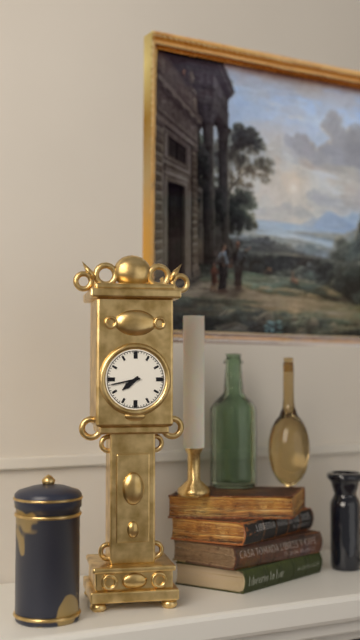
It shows 7,43
